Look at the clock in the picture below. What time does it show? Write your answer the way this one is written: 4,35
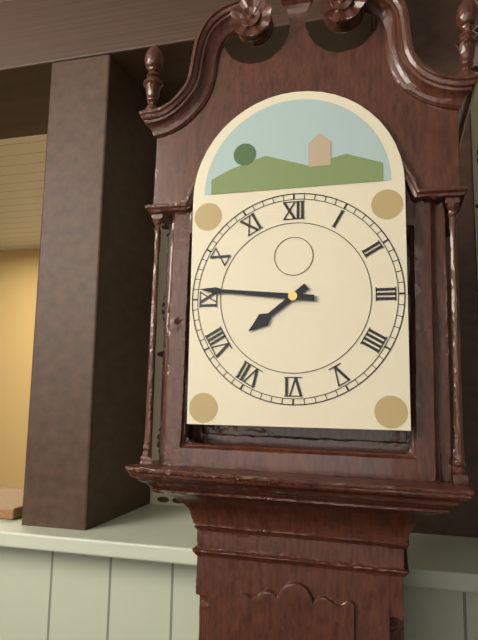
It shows 7,46
